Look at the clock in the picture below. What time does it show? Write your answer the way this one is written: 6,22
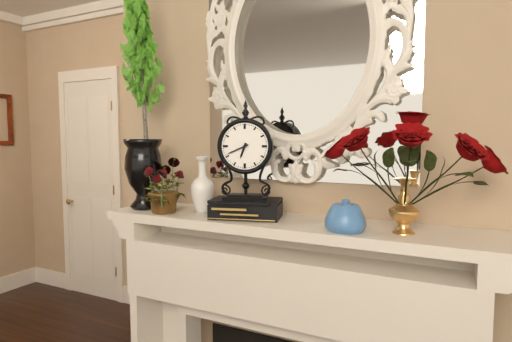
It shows 6,41
